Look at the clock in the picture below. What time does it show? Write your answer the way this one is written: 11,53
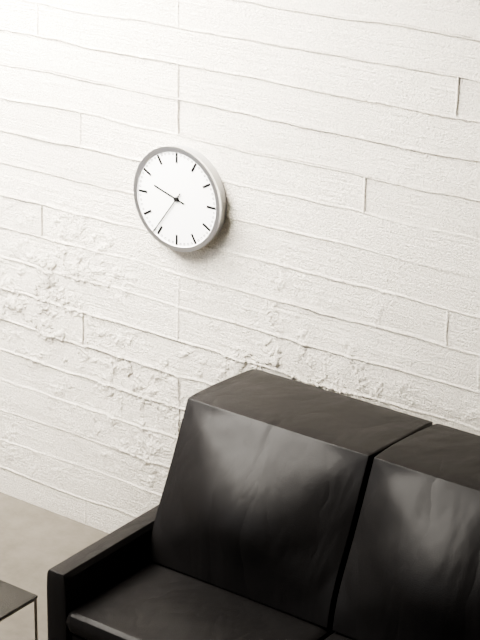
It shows 9,36
